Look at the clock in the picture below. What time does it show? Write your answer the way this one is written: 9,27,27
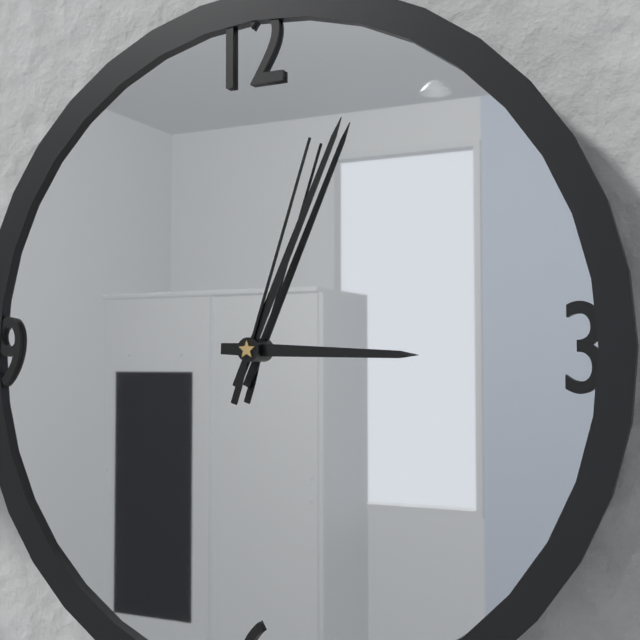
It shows 3,04,03
